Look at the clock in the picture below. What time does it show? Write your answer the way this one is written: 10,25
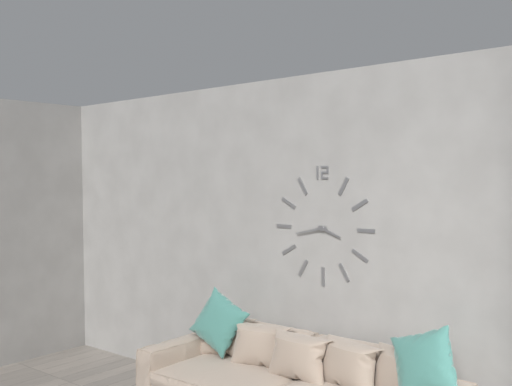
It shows 3,43
